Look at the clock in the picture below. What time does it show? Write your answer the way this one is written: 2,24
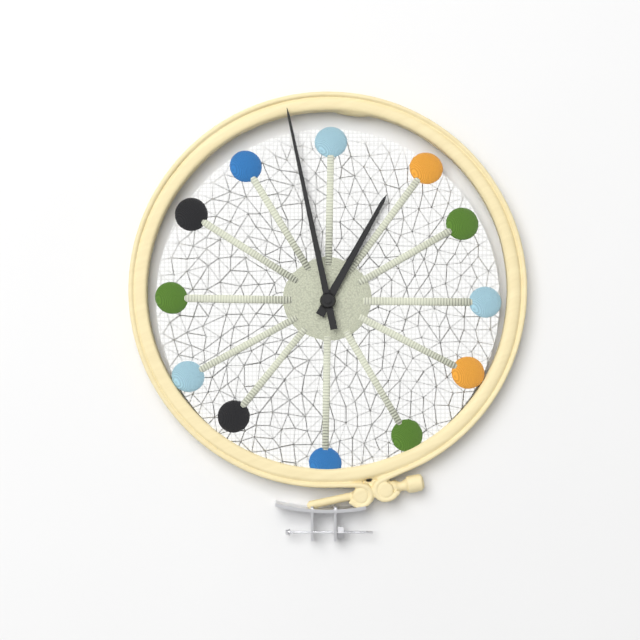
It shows 12,58
